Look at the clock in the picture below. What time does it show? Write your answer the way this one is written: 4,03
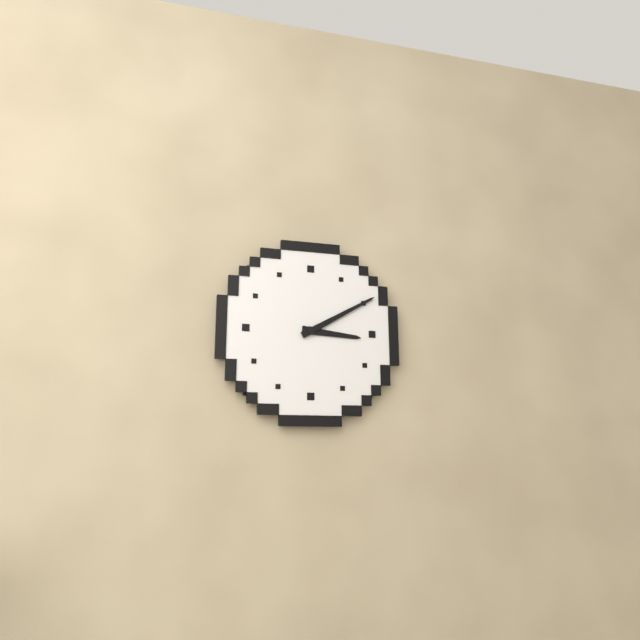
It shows 3,10
